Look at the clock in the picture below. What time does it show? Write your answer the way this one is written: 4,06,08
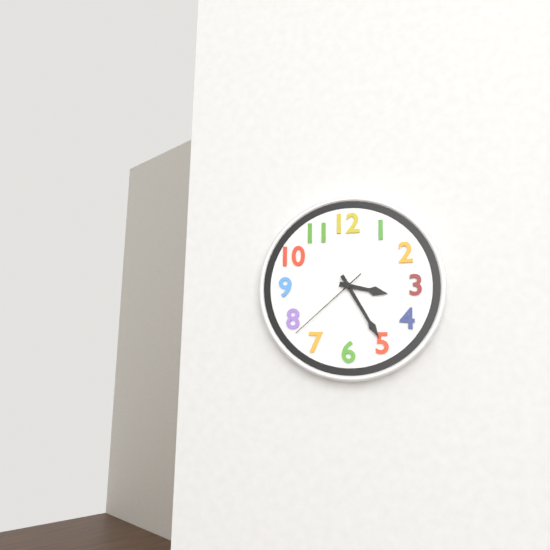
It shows 3,25,38
